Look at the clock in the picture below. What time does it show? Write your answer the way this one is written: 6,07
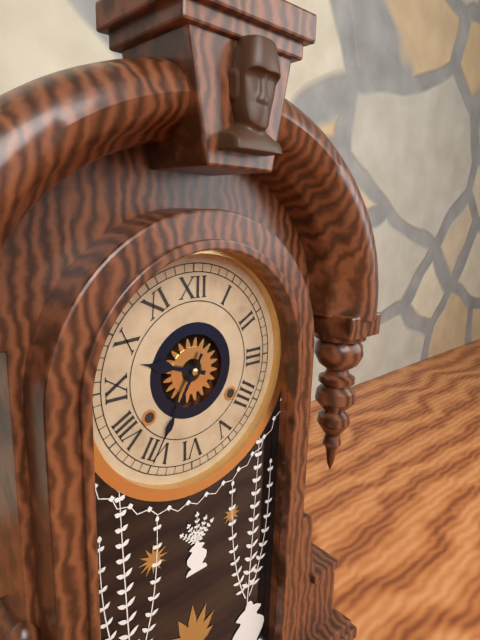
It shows 9,35
